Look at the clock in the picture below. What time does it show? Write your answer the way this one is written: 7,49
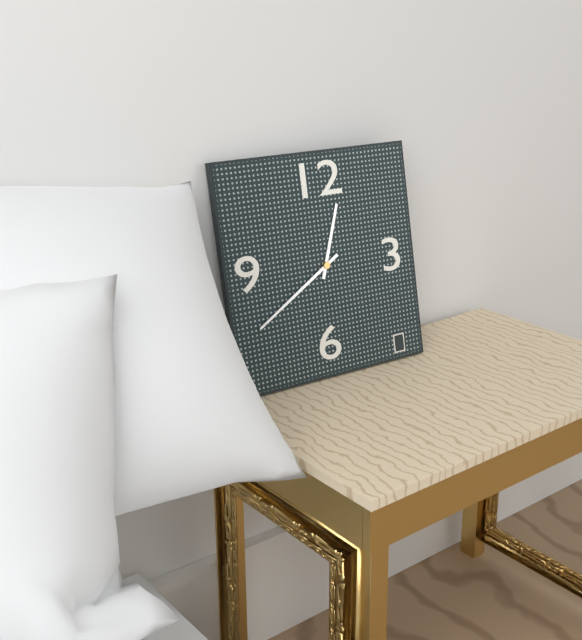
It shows 12,40
